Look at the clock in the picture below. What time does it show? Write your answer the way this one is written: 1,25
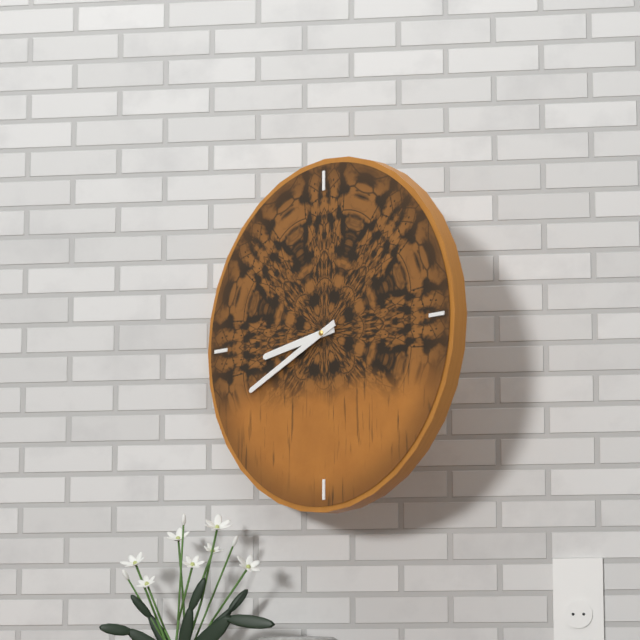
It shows 8,41
